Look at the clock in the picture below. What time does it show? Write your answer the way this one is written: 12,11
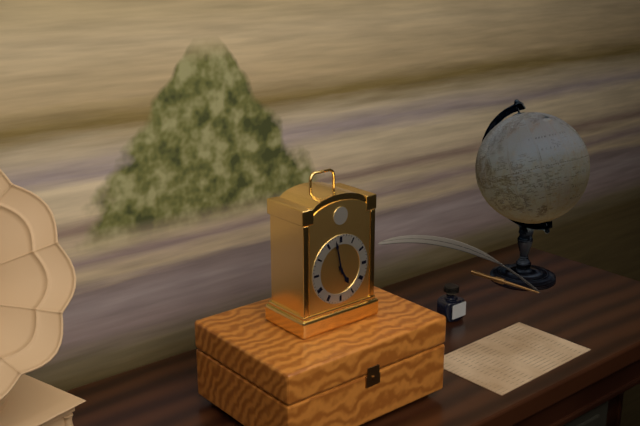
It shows 4,58
